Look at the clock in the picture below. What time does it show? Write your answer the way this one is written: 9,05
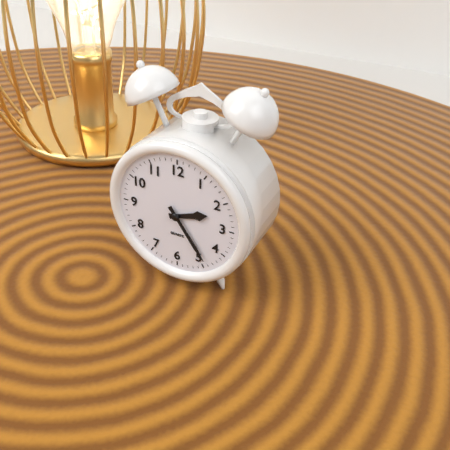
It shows 2,24
